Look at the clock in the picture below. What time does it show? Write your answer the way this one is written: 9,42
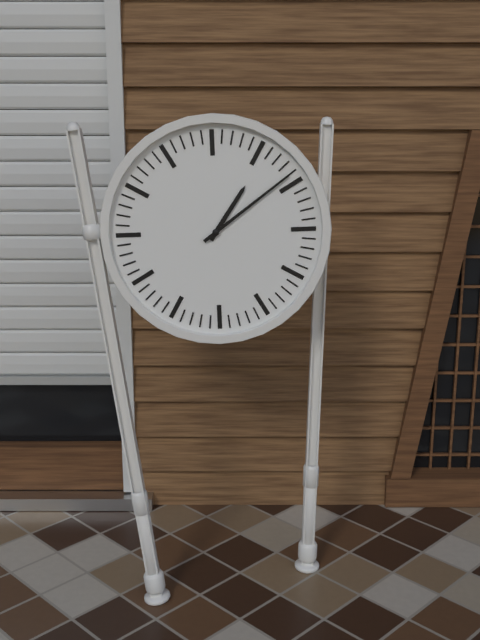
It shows 1,09
